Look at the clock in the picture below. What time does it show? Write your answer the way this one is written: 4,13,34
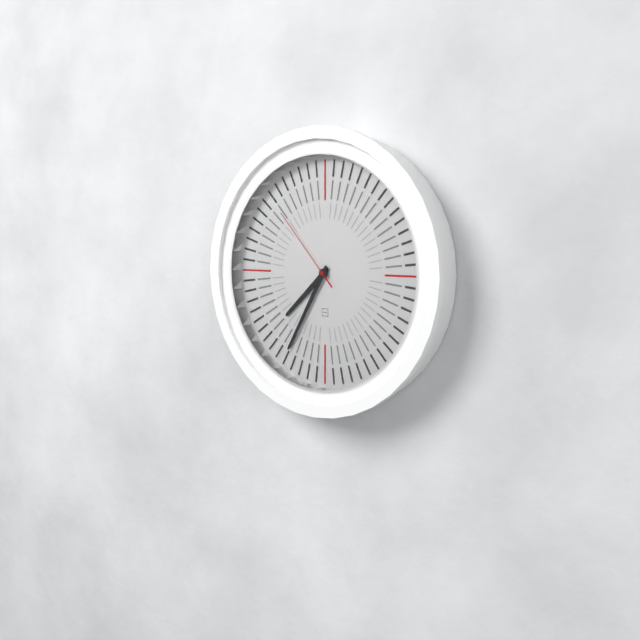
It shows 7,35,53
